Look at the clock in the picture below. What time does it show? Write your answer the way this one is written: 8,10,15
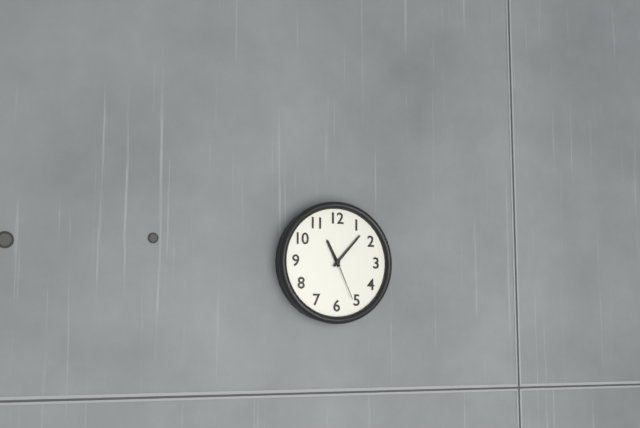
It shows 11,07,26
